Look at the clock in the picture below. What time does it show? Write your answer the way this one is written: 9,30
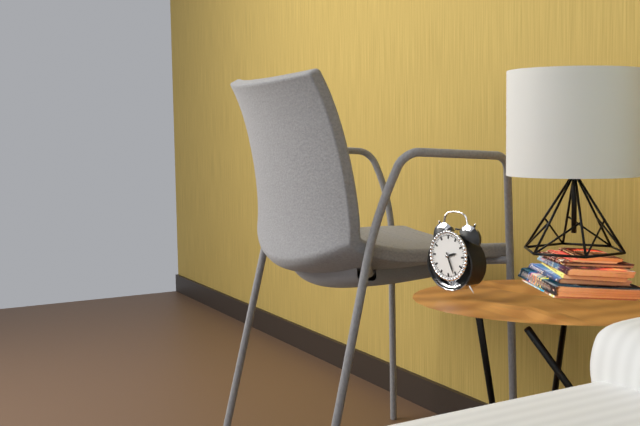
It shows 2,26
